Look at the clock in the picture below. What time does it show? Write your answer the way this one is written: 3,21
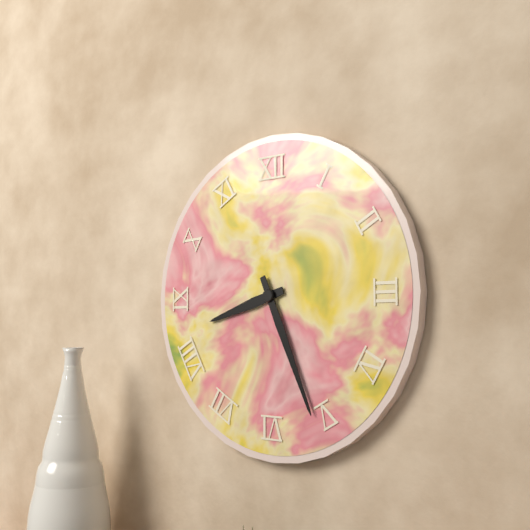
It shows 8,26
